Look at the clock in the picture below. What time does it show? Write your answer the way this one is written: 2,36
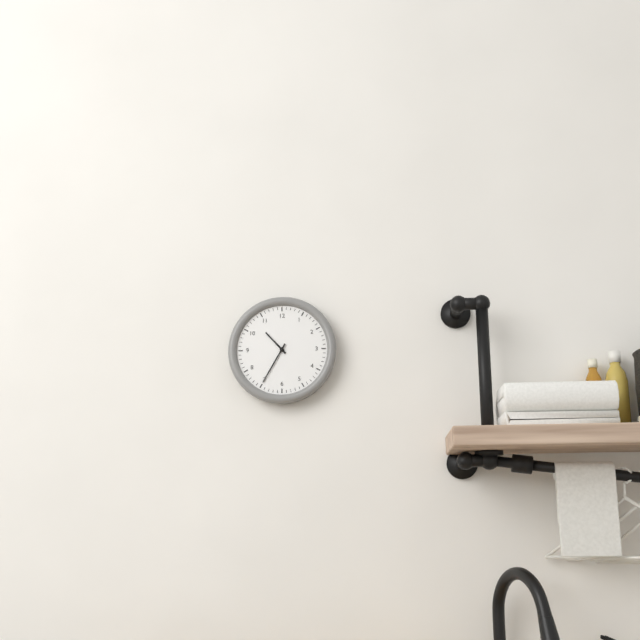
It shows 10,35
